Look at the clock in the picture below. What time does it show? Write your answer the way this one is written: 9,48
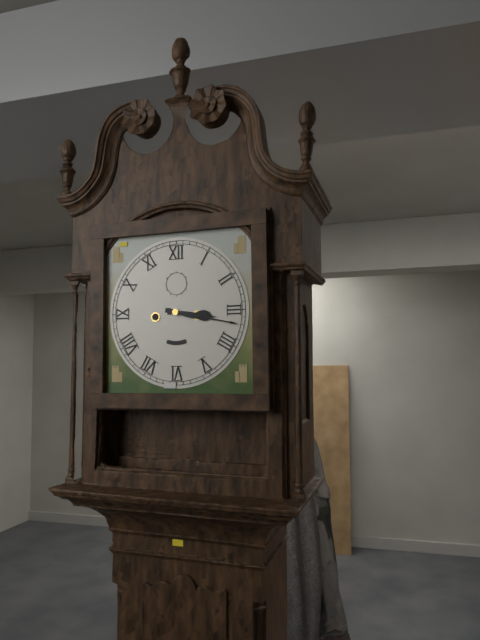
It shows 3,17
